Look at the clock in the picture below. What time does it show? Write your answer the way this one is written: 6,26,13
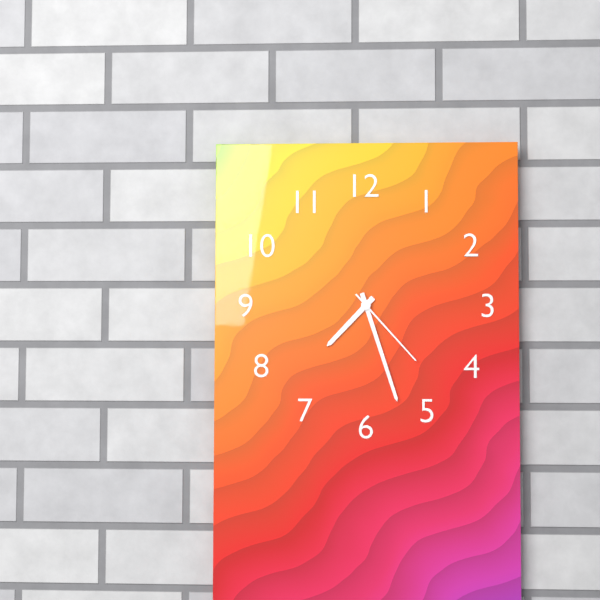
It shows 7,27,23
